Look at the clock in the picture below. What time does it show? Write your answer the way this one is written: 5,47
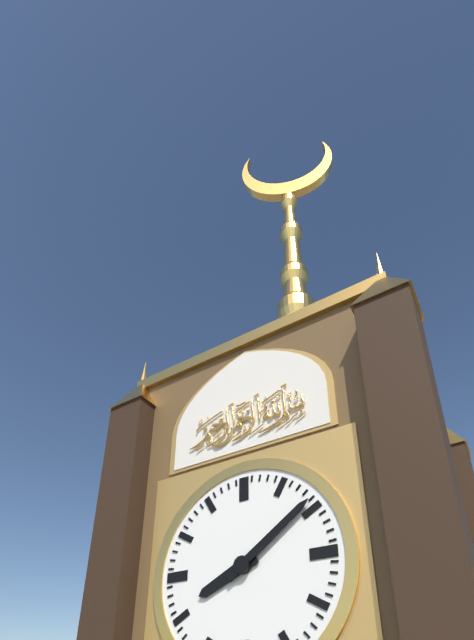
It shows 8,09
